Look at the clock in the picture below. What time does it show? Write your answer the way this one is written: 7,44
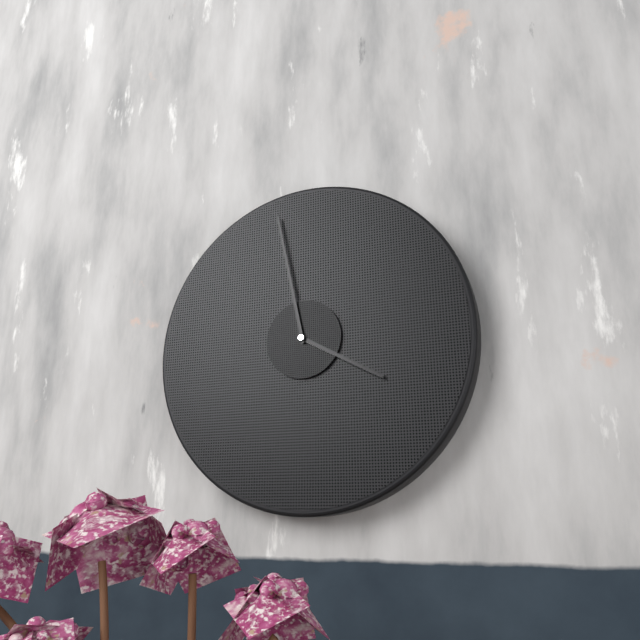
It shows 3,58
